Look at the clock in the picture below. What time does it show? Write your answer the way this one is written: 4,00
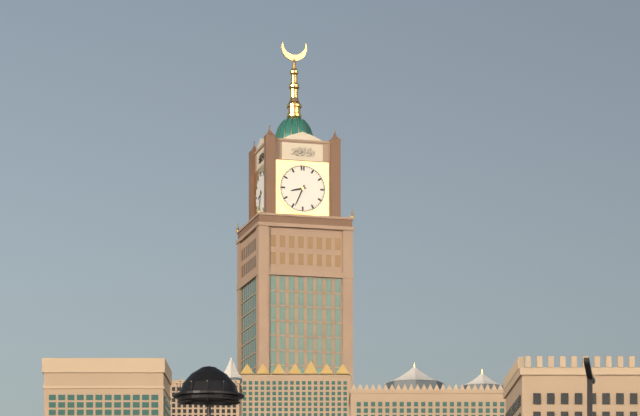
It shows 8,34
